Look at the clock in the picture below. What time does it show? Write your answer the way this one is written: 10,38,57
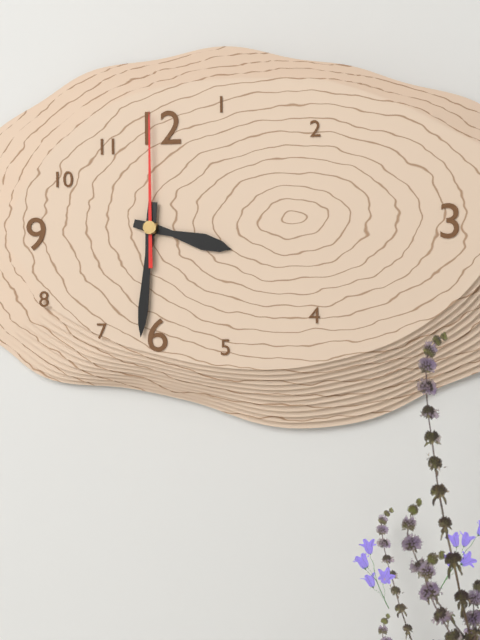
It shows 3,31,00
